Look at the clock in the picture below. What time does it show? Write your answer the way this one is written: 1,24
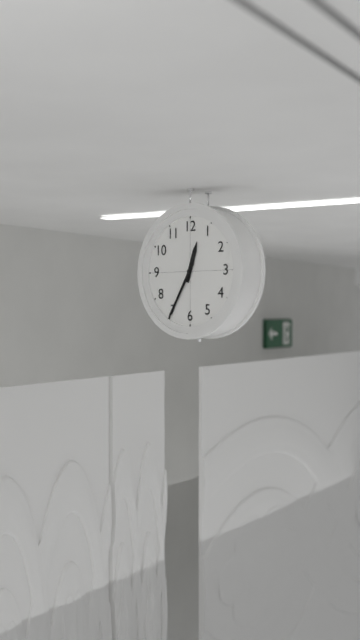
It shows 12,35
